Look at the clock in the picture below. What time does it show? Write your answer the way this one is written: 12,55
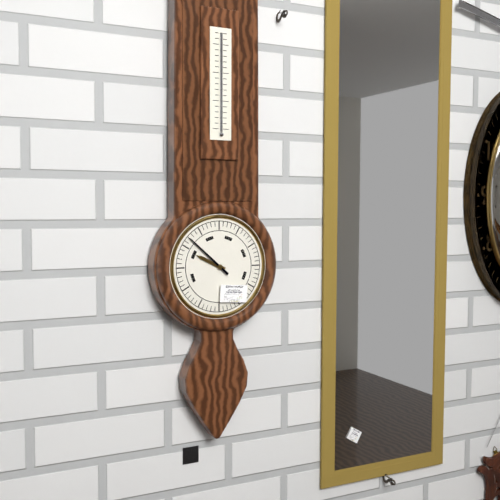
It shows 9,52
